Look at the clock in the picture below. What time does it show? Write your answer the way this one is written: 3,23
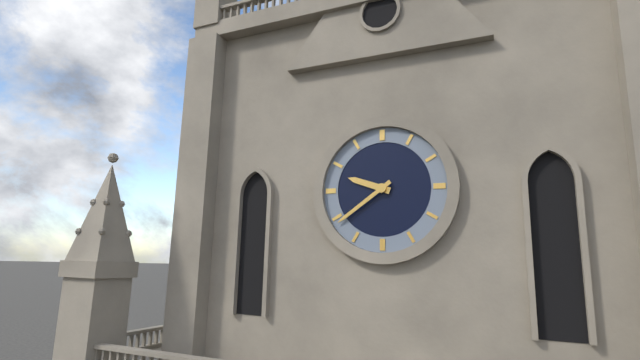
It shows 9,39
